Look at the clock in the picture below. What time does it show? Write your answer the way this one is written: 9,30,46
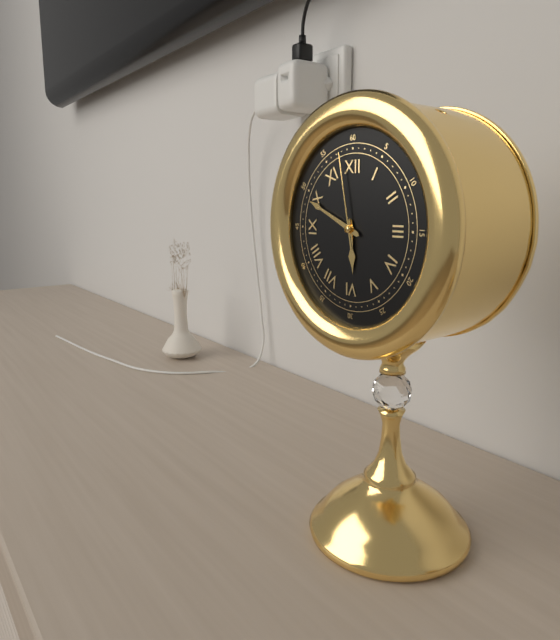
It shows 5,49,58
